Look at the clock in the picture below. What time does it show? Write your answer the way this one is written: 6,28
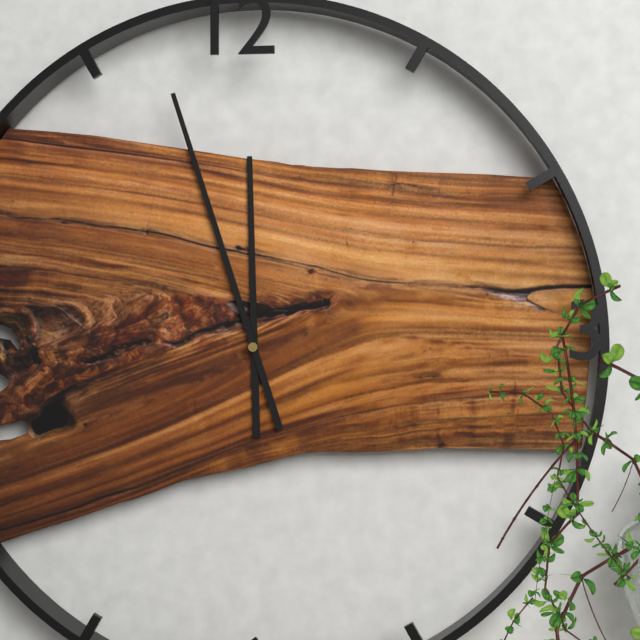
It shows 11,57
